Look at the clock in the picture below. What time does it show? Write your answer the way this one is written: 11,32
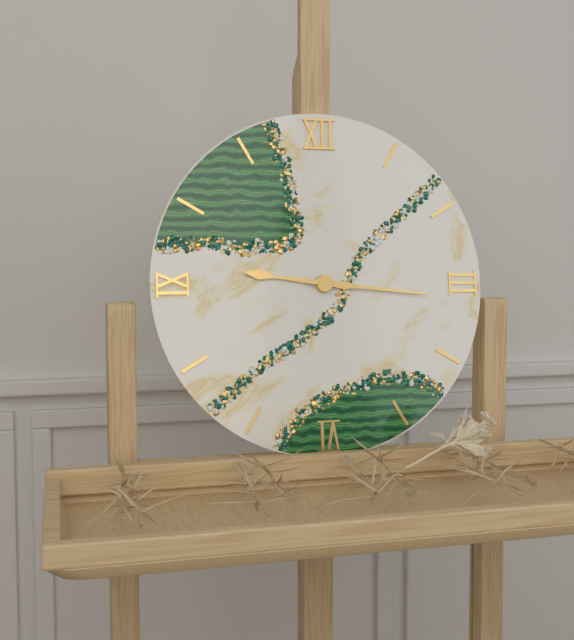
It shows 9,16
